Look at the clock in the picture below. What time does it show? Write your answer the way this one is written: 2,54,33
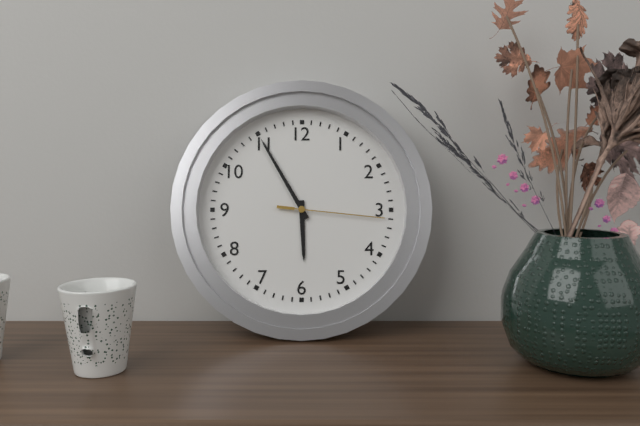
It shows 5,55,16
